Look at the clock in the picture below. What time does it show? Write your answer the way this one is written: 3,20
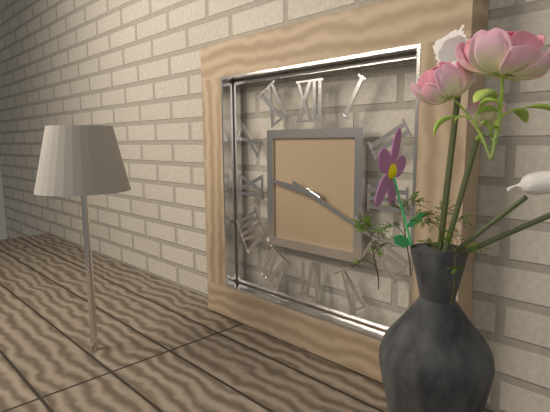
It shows 9,19
